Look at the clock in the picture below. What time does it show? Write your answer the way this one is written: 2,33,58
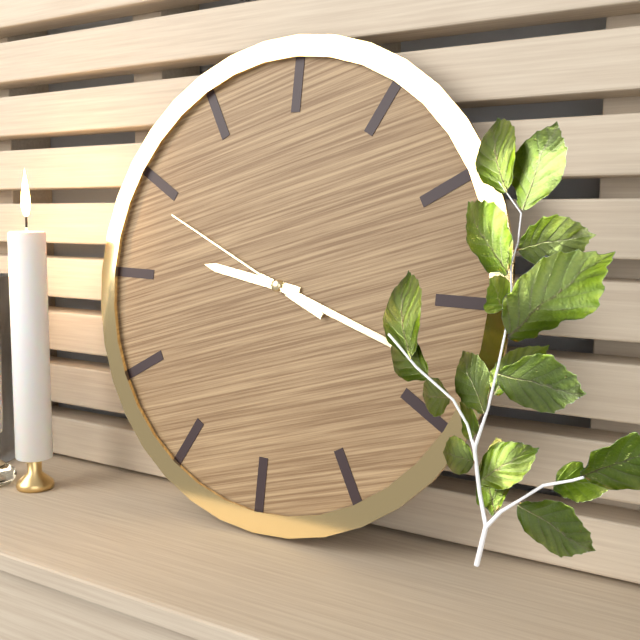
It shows 9,18,49
